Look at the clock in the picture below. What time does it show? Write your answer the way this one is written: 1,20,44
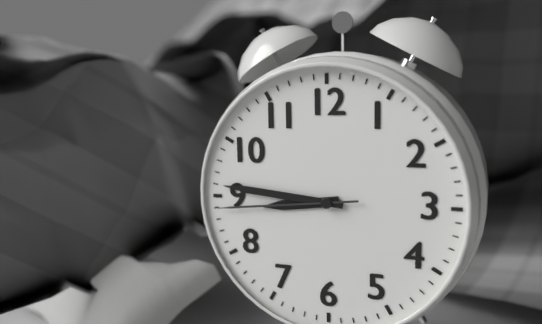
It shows 8,46,44
